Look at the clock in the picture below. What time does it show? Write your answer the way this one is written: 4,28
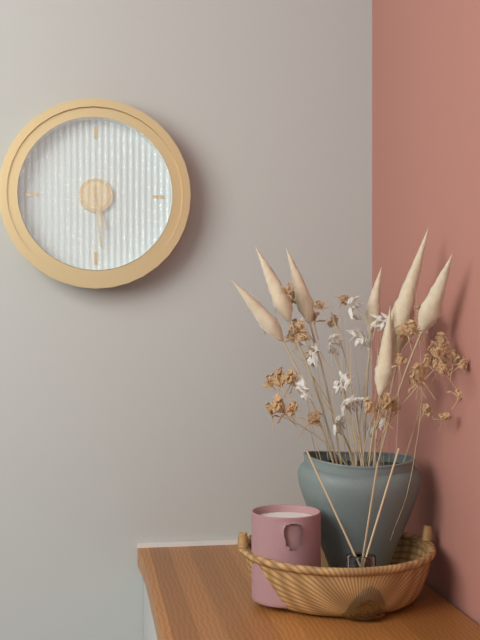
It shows 5,29
